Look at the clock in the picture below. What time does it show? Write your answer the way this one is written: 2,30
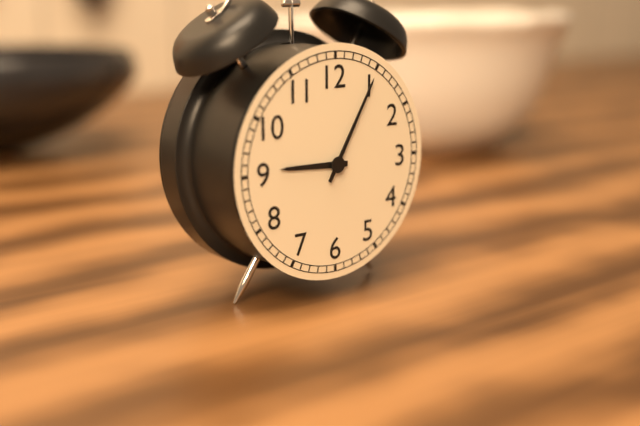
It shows 9,05
